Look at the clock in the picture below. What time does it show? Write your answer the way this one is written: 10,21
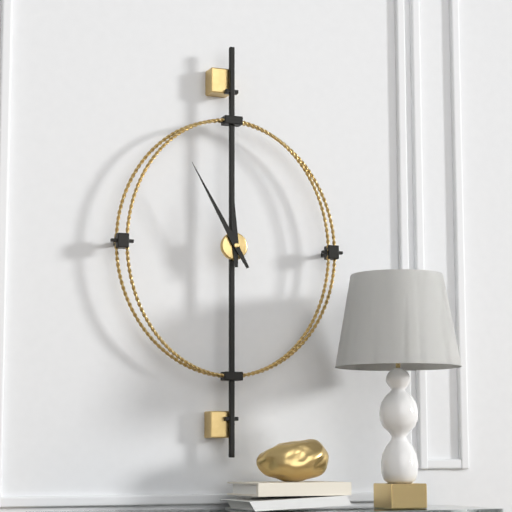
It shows 11,55
